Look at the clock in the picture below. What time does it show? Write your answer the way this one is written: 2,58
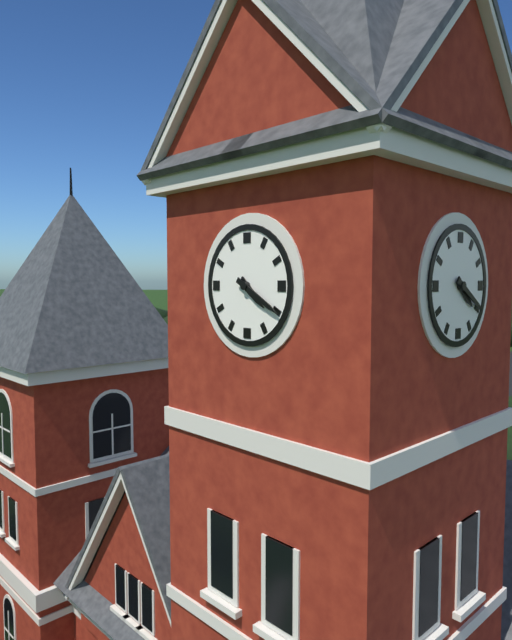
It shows 4,20
